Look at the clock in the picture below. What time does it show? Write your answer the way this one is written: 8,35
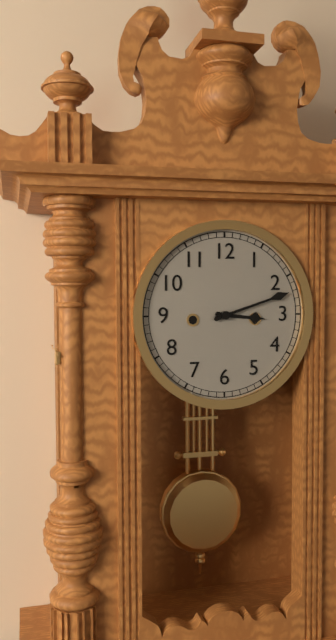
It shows 3,12
